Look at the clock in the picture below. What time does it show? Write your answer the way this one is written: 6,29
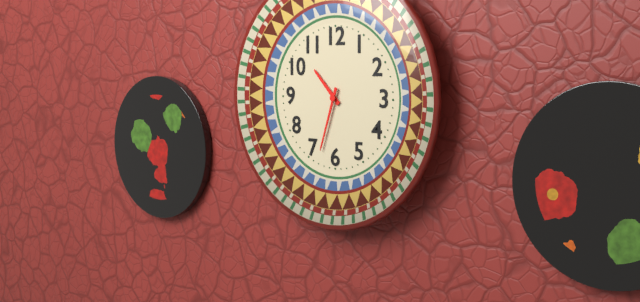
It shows 10,33
